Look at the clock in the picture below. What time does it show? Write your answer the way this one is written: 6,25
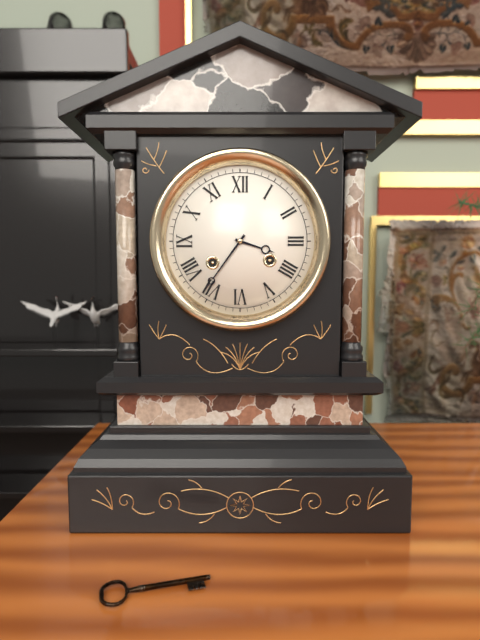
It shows 3,36
